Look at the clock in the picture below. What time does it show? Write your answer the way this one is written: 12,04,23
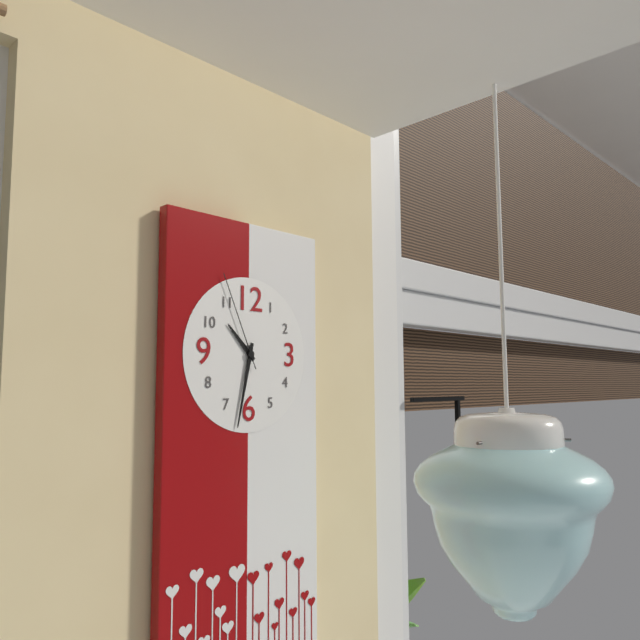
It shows 10,32,56
